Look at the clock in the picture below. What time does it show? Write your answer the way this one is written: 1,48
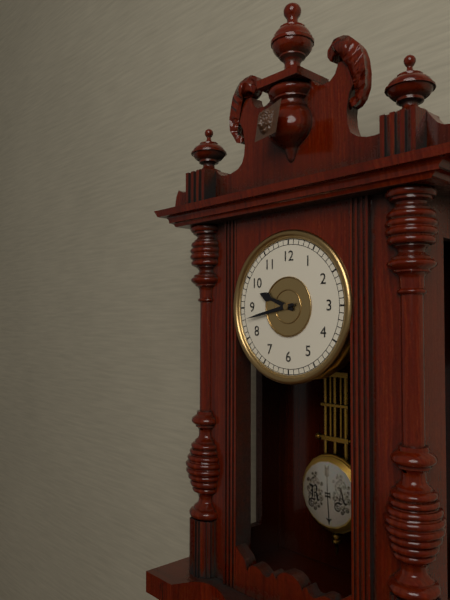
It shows 9,43
